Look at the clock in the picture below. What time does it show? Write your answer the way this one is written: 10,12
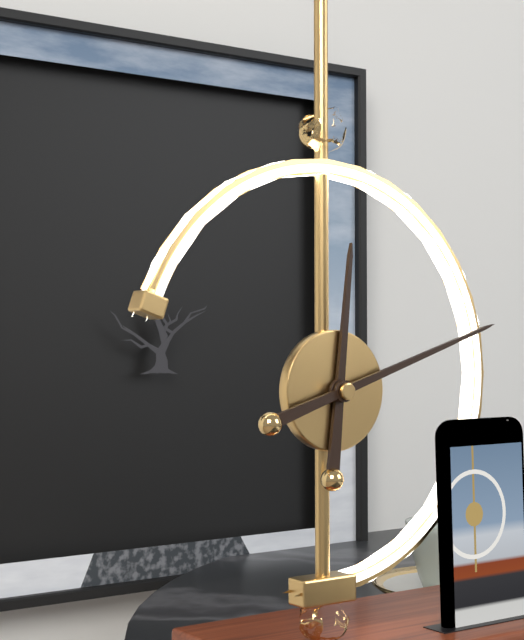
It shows 12,12
